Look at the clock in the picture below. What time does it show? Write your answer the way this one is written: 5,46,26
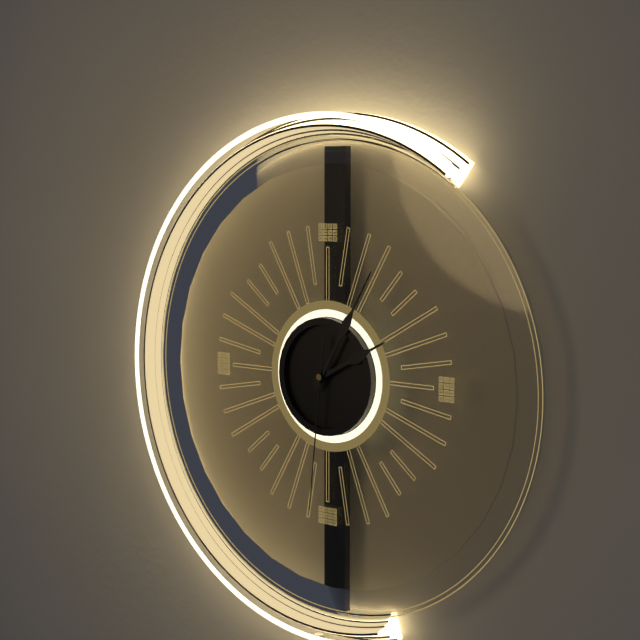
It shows 2,05,31
